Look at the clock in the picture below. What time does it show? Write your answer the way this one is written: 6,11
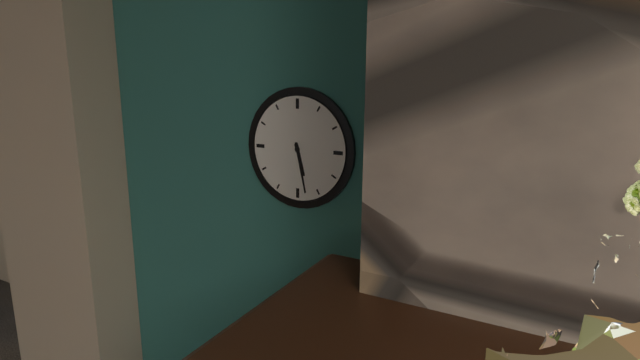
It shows 5,28
